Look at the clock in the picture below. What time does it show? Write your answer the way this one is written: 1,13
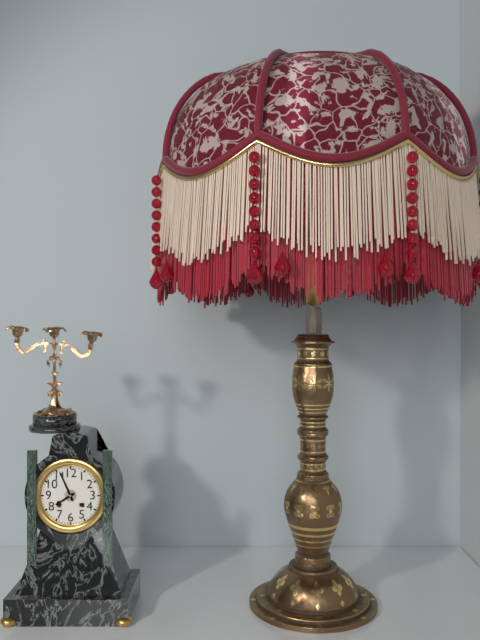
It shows 7,56
